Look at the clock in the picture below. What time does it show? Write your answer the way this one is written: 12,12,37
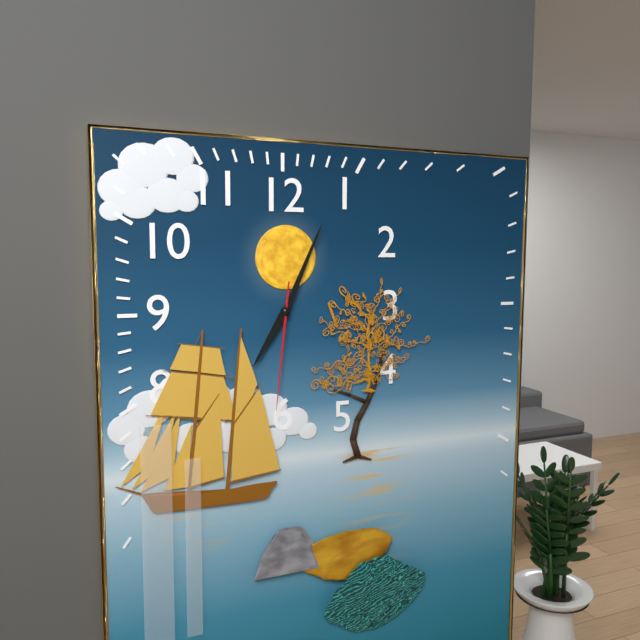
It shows 7,04,31
